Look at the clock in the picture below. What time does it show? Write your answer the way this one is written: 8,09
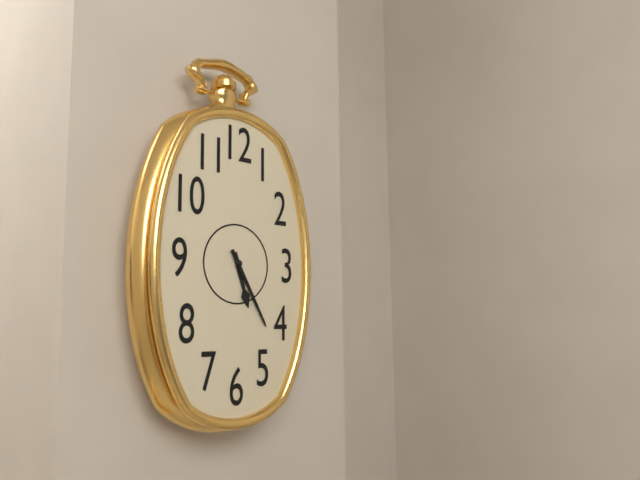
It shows 5,25
